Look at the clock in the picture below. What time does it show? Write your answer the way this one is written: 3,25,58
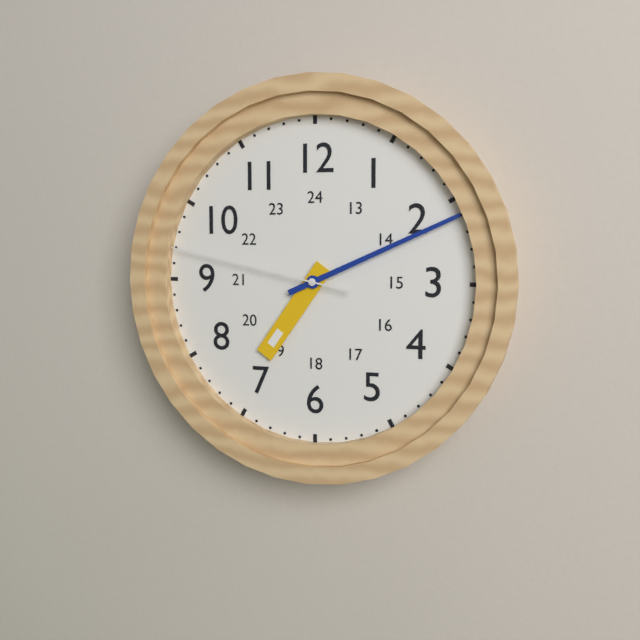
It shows 7,11,47
